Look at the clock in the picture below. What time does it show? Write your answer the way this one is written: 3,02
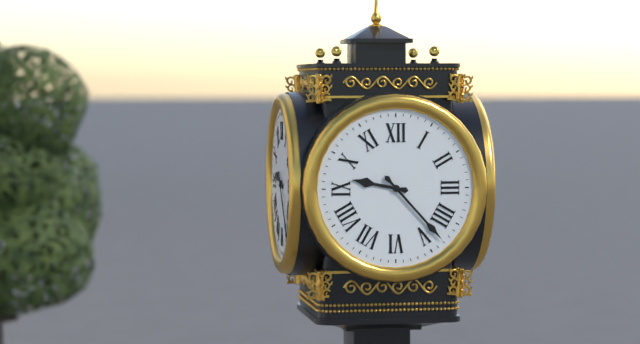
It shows 9,23
